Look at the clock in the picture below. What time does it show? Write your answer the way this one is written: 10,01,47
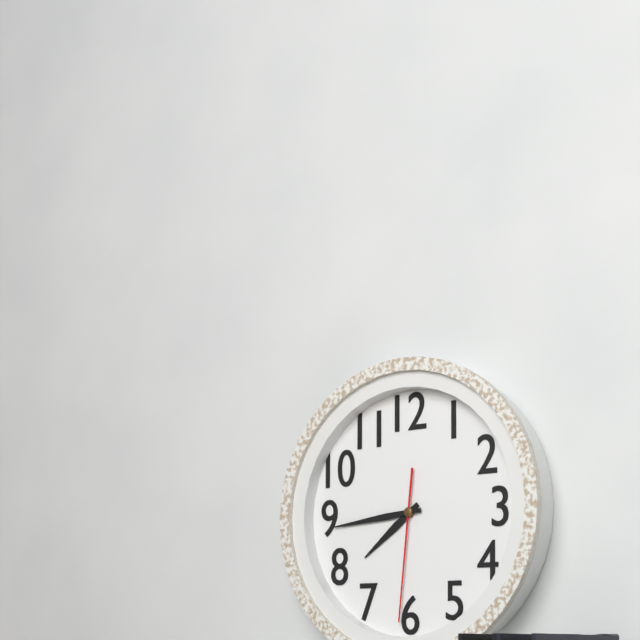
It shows 7,44,31
